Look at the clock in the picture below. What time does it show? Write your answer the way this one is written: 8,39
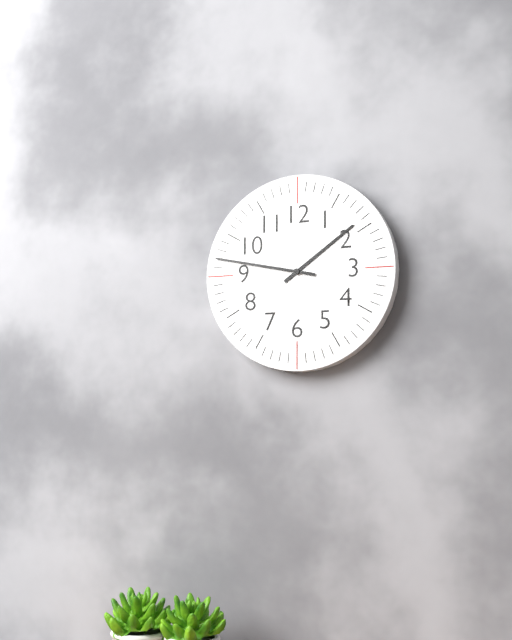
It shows 1,47
